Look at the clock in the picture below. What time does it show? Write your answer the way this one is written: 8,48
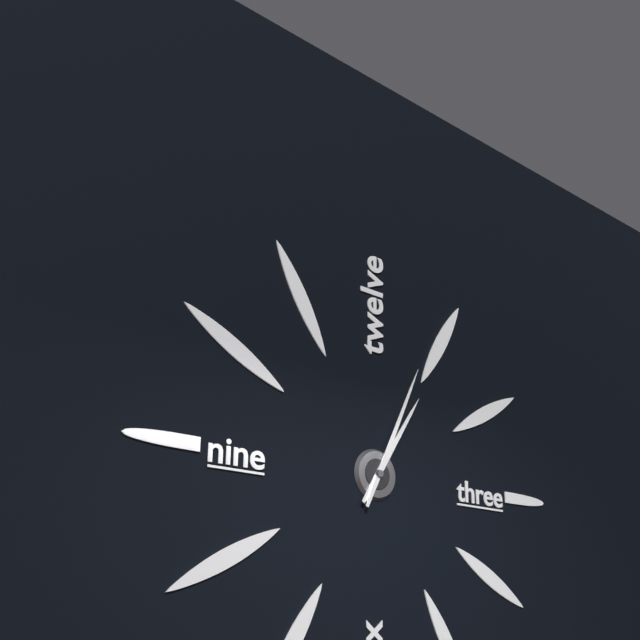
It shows 1,04
